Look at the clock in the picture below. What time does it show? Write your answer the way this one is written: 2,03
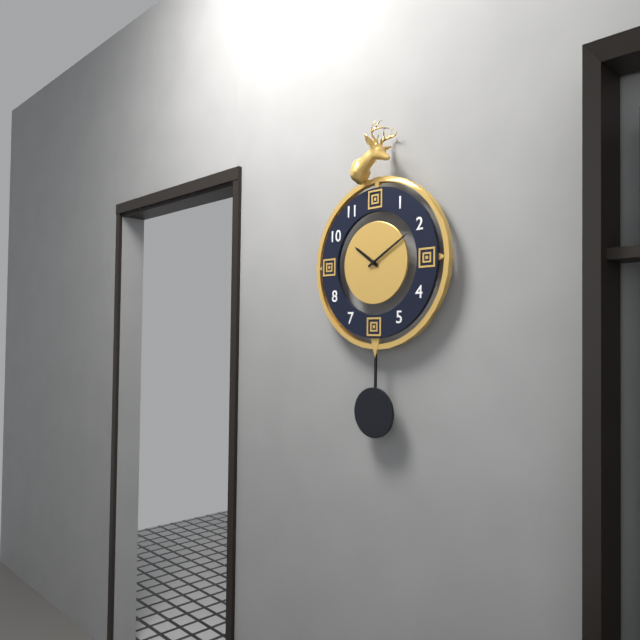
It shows 10,10
